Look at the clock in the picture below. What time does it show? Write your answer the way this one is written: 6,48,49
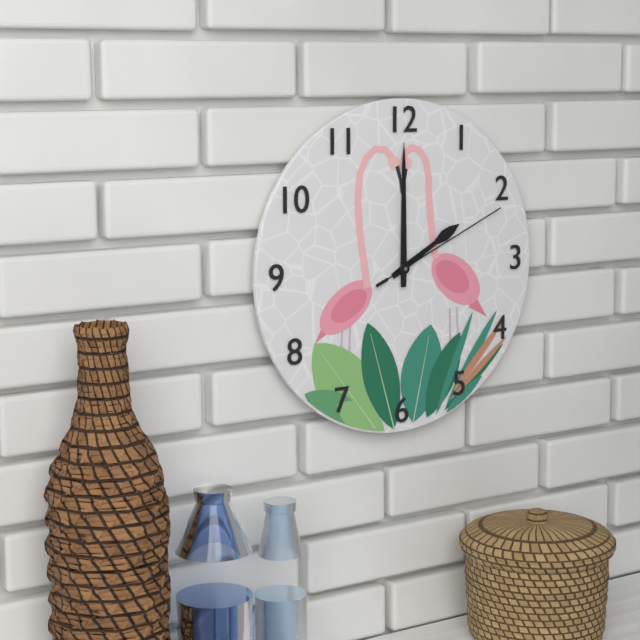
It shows 2,00,11
